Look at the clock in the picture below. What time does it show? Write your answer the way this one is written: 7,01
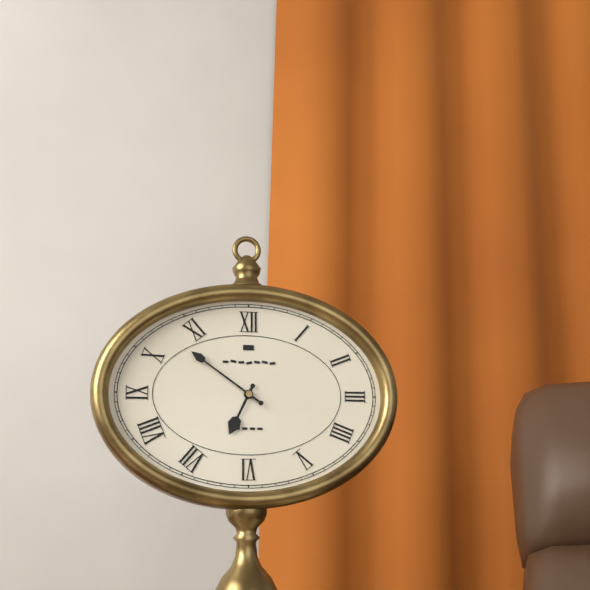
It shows 6,51
